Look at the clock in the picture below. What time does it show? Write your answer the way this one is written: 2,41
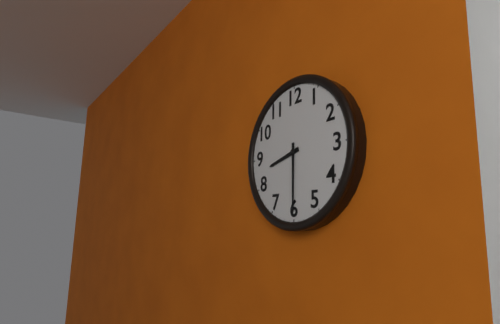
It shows 8,30
